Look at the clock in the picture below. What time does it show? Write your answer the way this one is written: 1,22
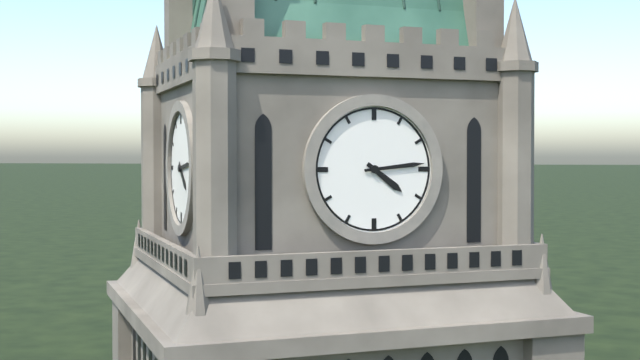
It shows 4,14
